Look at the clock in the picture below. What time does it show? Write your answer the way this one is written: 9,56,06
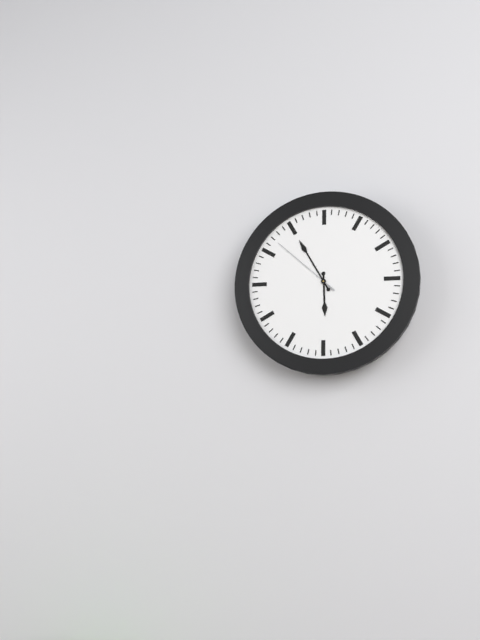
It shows 5,55,52
